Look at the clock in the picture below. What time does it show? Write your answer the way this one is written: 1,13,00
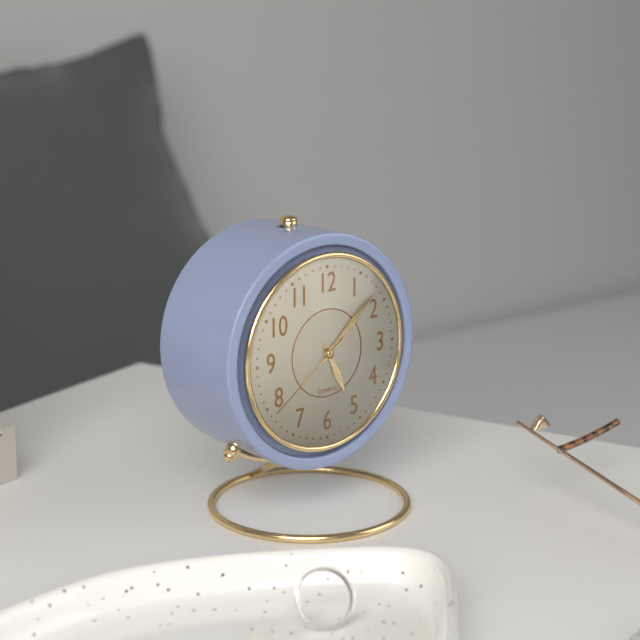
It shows 5,08,39
